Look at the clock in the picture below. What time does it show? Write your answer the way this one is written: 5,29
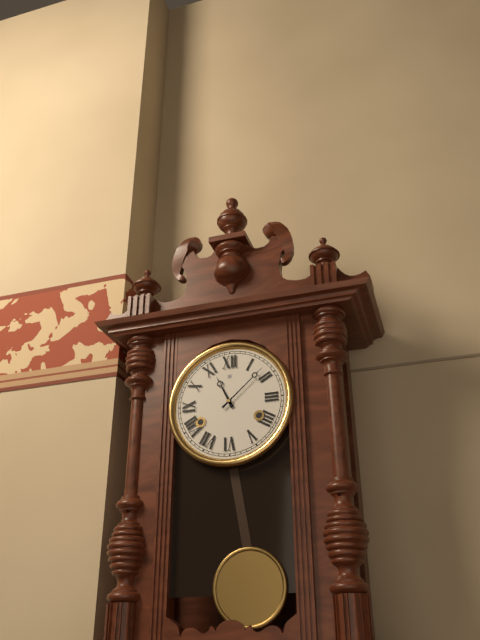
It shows 11,08
